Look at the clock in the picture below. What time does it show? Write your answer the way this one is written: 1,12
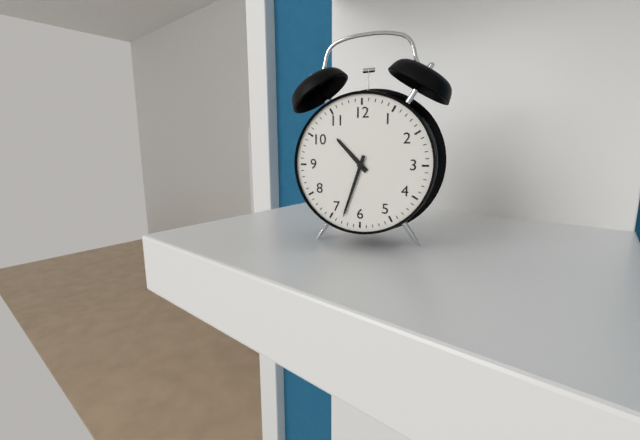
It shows 10,33
